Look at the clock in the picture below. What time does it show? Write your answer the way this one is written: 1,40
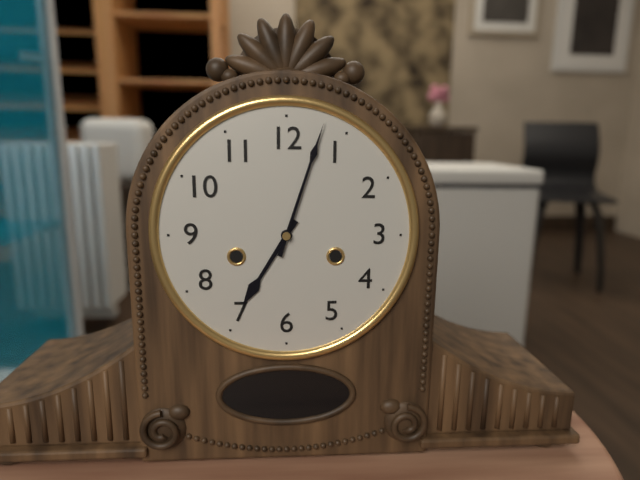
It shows 7,03
